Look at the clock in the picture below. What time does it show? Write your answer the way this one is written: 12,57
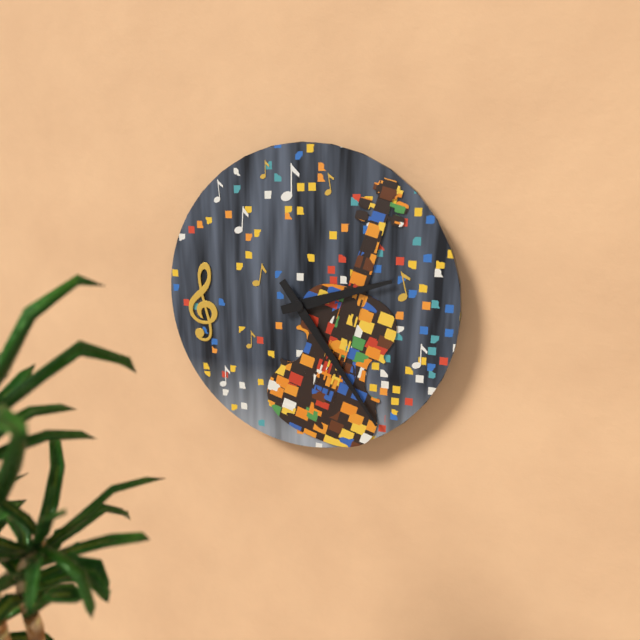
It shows 2,24
